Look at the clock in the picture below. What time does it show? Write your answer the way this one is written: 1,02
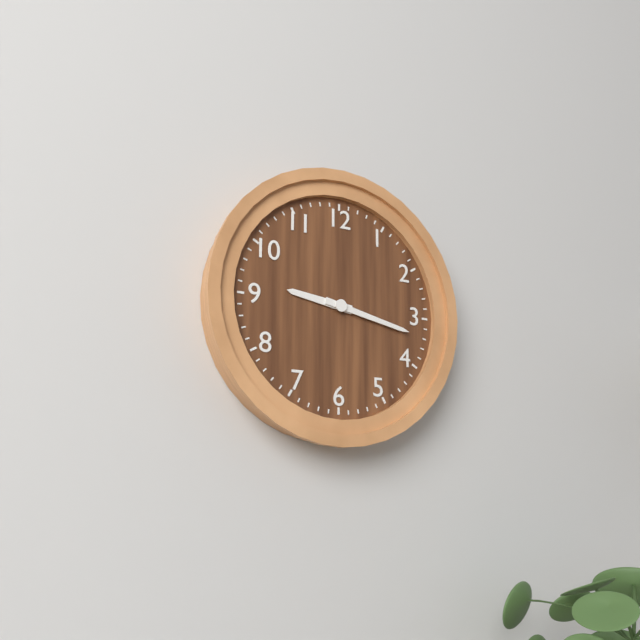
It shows 9,17
